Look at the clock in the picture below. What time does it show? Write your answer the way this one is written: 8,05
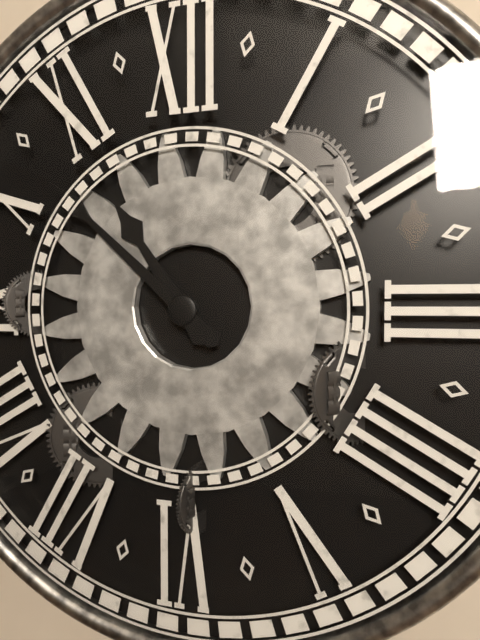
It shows 10,52
